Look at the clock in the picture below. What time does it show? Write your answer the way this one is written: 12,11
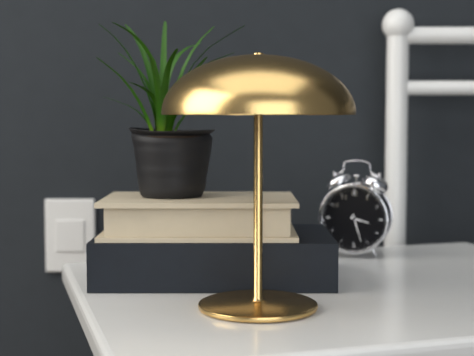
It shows 3,27
